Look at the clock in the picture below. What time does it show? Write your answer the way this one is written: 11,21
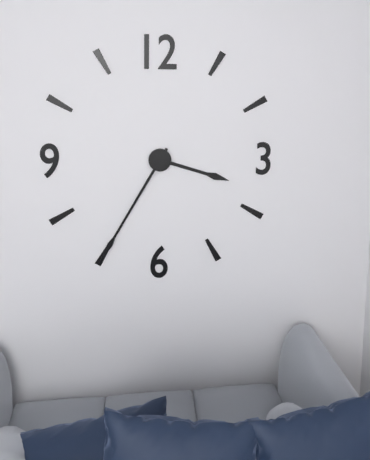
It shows 3,35
